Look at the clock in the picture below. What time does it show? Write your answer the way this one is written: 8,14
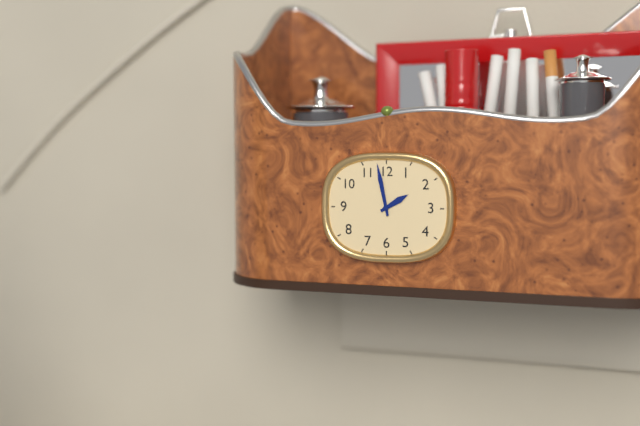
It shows 1,58
